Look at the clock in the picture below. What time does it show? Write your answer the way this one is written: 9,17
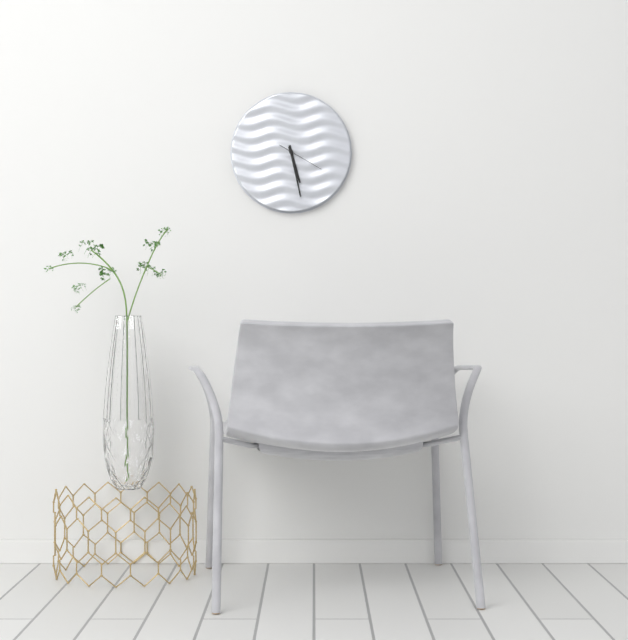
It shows 5,28
